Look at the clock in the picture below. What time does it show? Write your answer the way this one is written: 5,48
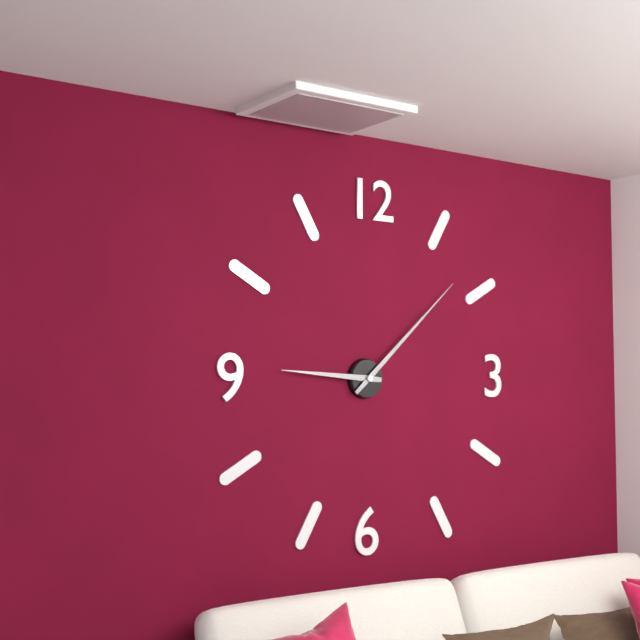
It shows 9,08
